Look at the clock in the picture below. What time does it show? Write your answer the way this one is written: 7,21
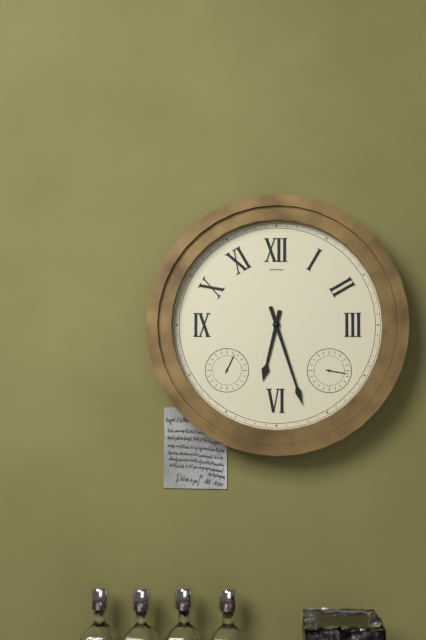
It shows 6,27
